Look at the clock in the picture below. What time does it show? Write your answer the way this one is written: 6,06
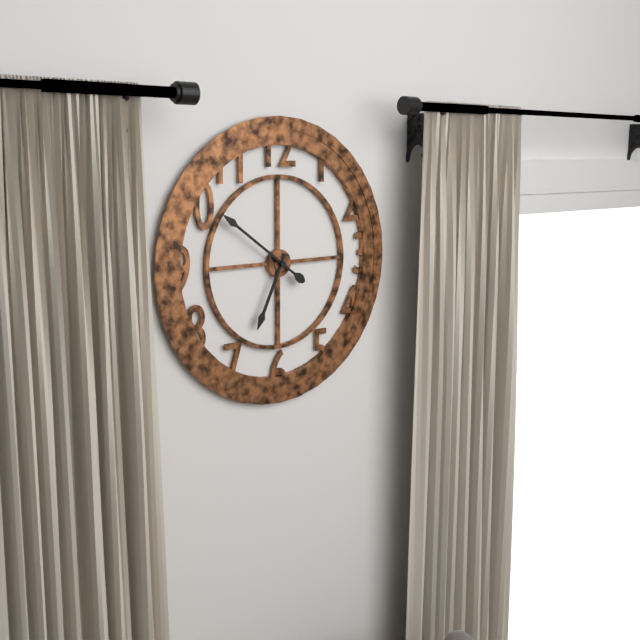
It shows 6,51
